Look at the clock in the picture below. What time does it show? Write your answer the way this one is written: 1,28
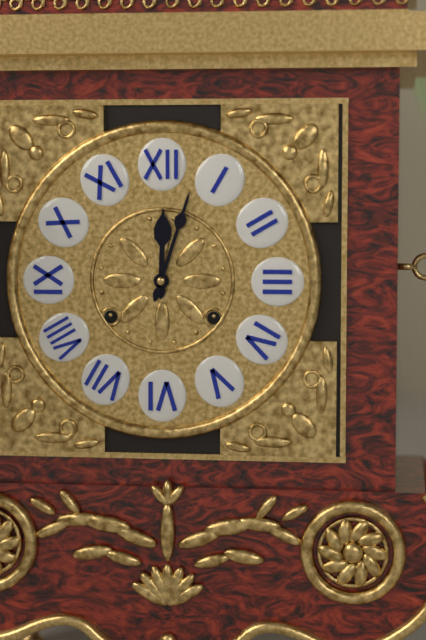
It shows 12,03
